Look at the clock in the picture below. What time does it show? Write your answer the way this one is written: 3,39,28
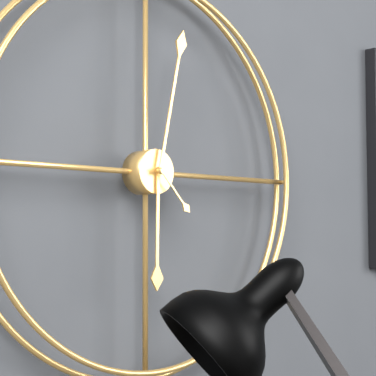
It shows 6,02,23
